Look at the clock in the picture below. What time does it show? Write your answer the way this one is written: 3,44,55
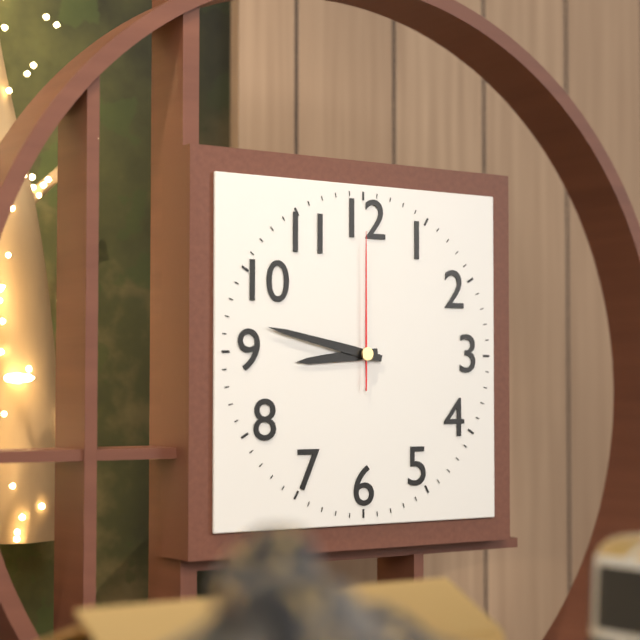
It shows 8,47,00
